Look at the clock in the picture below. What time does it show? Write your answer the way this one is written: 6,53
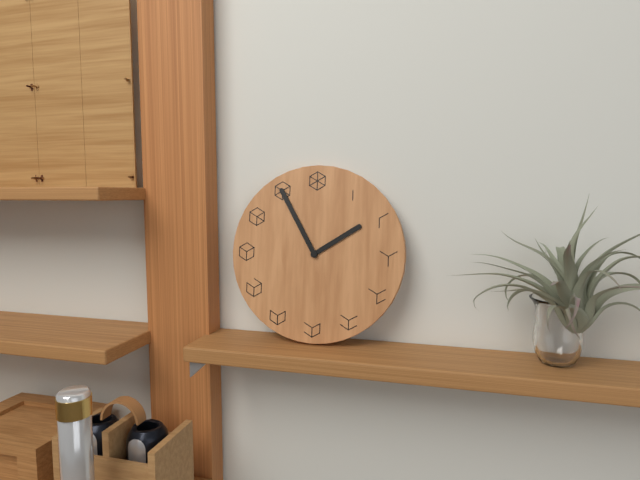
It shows 1,55
